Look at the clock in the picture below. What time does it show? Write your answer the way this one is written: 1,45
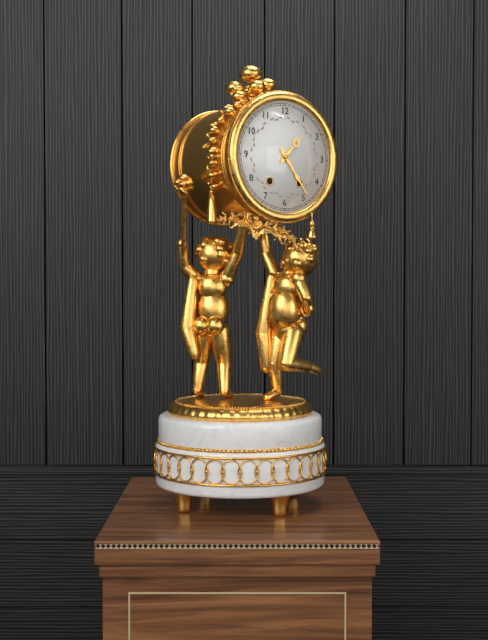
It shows 1,24
